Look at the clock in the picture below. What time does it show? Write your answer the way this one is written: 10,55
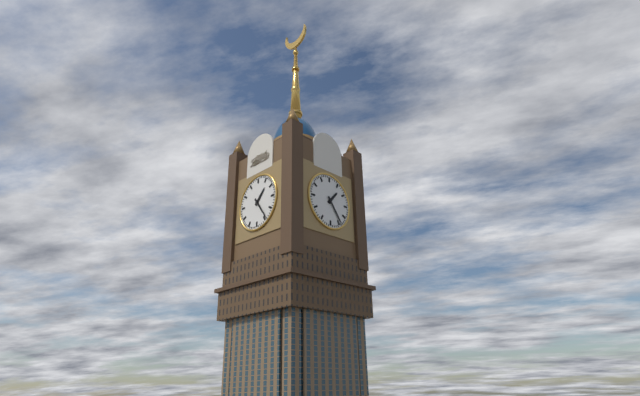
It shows 1,24
